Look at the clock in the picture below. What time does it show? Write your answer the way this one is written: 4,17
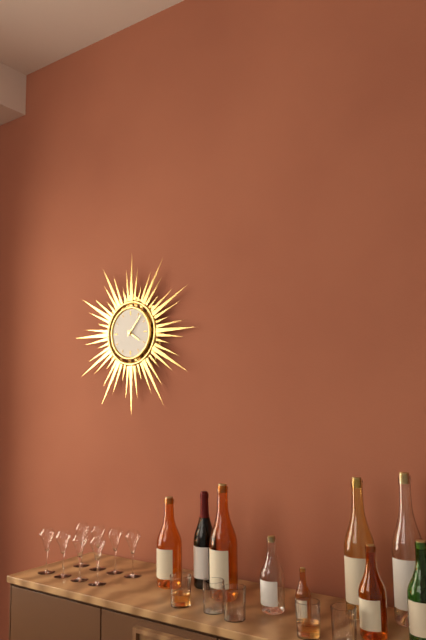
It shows 4,07
